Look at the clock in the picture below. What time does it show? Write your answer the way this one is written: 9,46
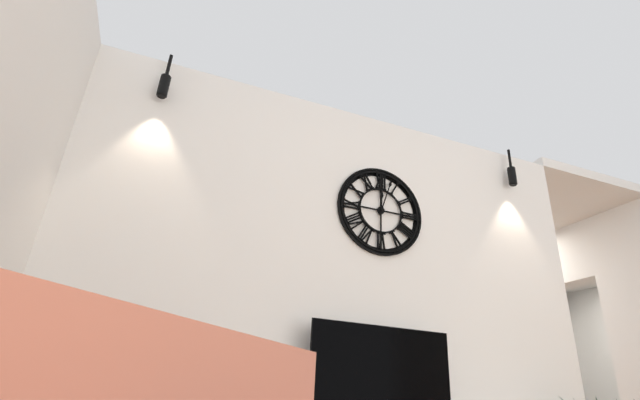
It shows 12,03
